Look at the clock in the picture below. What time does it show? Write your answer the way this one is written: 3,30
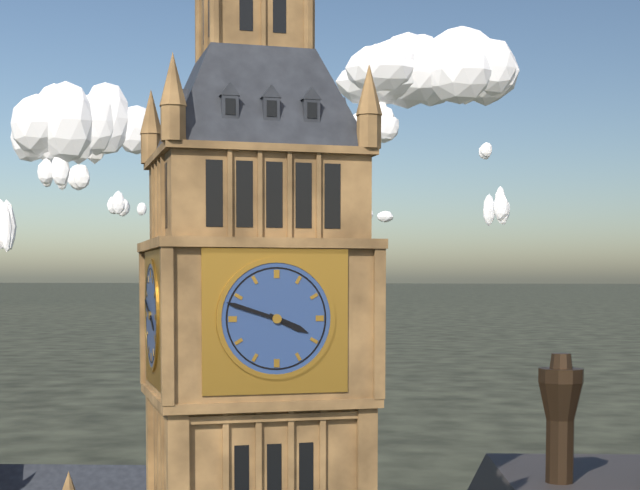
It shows 3,48
